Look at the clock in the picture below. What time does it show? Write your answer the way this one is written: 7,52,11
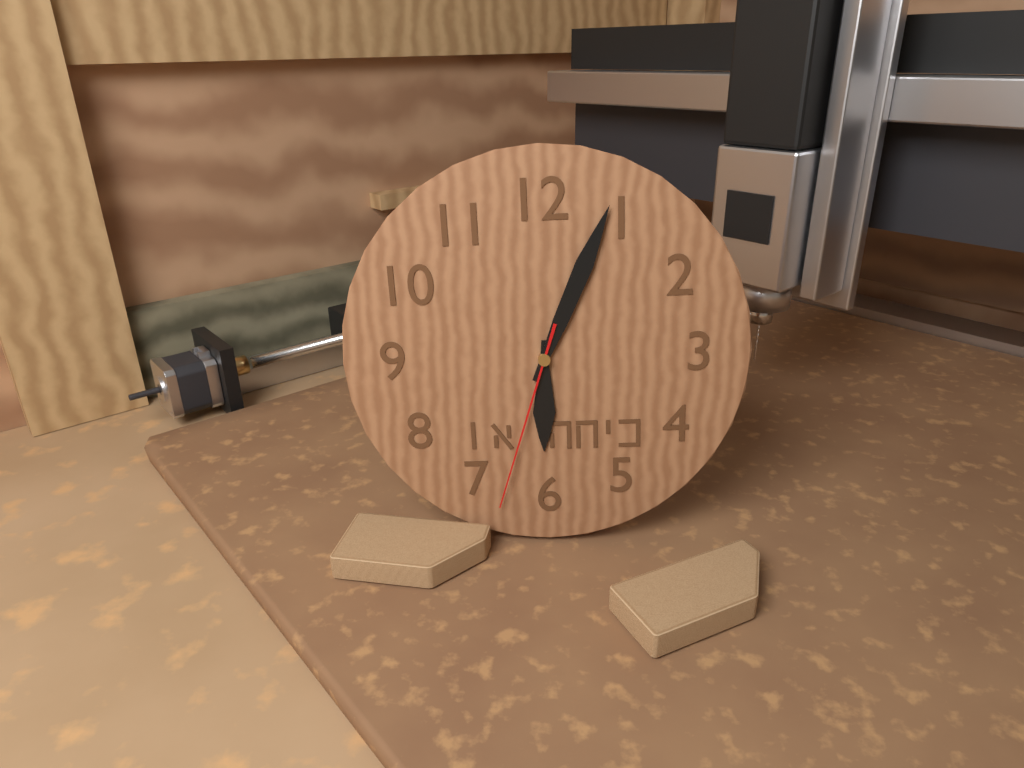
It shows 6,04,33
